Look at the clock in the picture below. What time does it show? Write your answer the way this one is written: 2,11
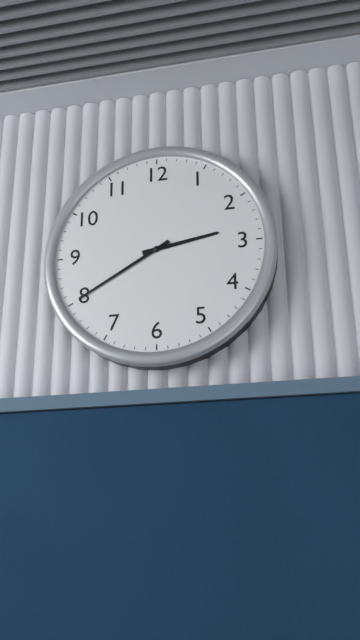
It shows 2,40
